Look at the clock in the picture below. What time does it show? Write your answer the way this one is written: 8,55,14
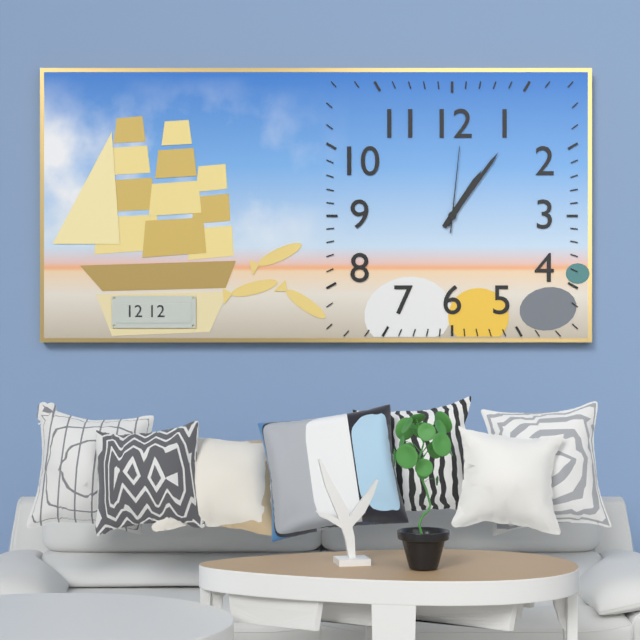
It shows 1,06,01
